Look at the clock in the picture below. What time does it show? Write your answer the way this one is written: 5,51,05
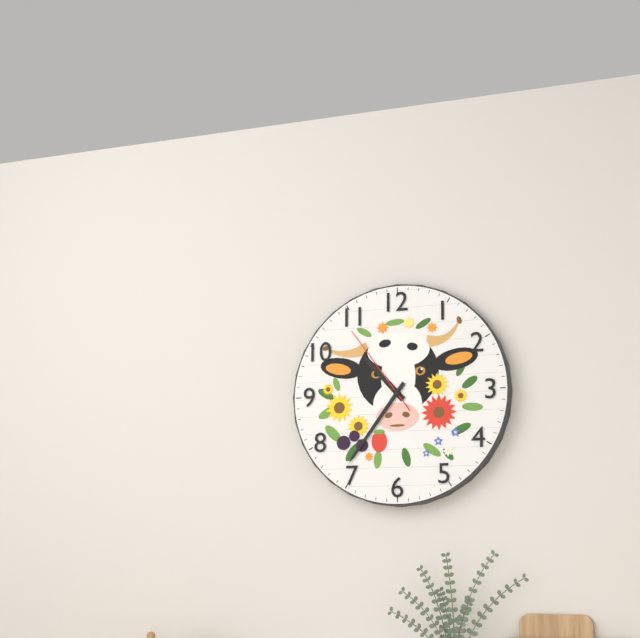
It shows 10,36,54
